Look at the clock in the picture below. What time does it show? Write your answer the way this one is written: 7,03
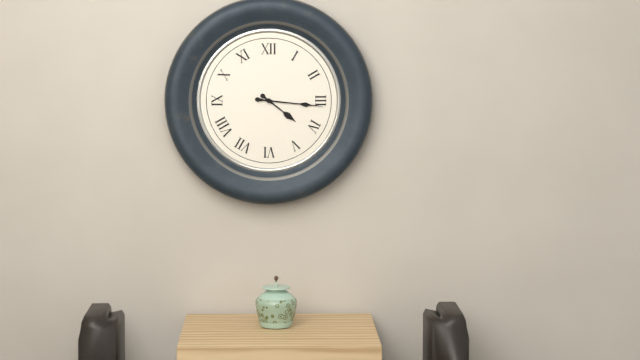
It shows 4,16
